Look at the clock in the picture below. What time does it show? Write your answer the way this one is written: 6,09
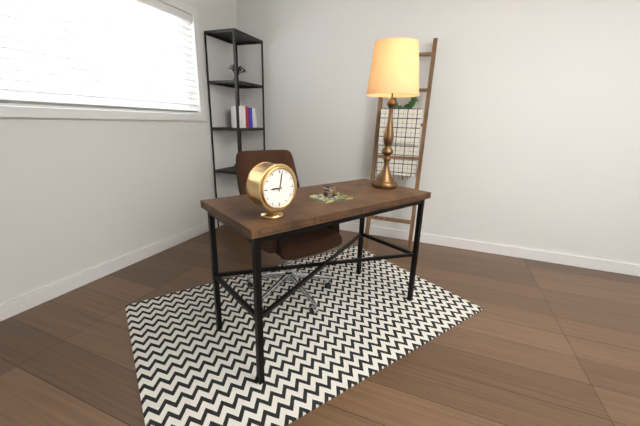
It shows 9,02
